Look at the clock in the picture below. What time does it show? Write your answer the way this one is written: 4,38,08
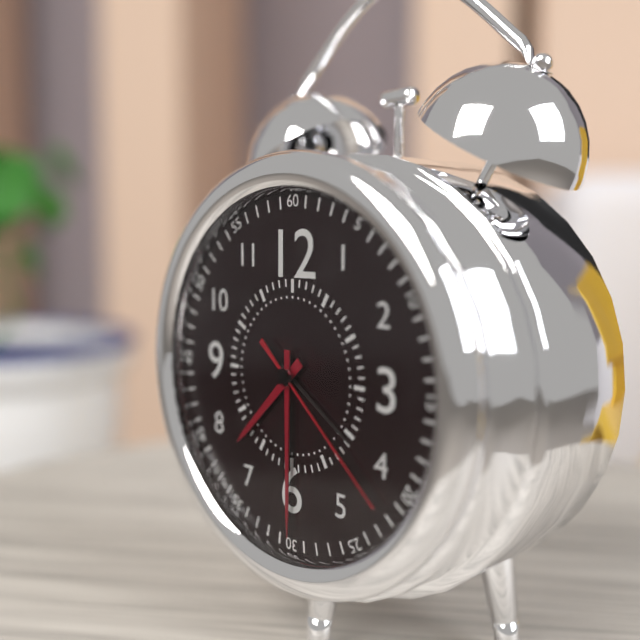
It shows 7,30,22
